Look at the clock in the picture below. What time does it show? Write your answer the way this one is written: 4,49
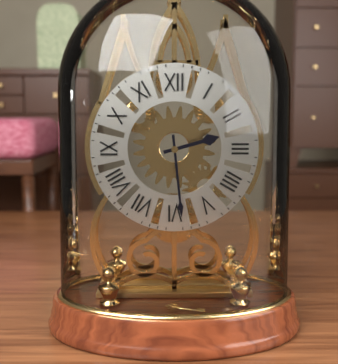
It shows 2,29
